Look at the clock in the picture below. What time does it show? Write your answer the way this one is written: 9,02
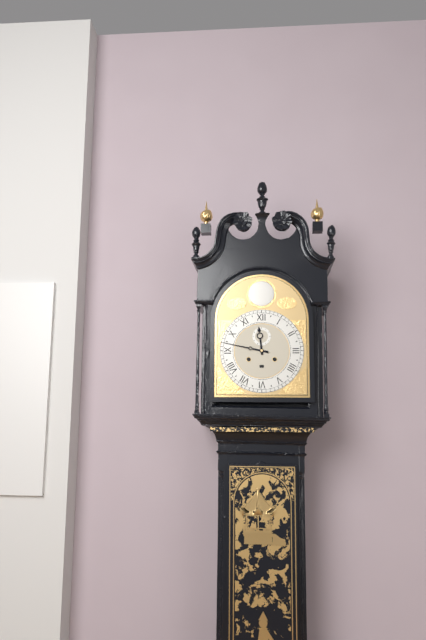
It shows 11,47
